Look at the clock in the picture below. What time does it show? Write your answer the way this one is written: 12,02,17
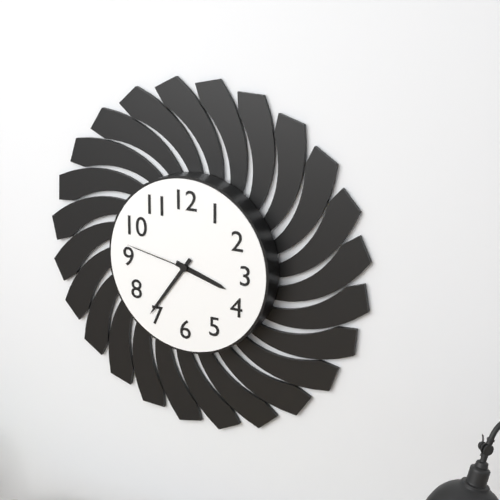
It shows 3,36,47
